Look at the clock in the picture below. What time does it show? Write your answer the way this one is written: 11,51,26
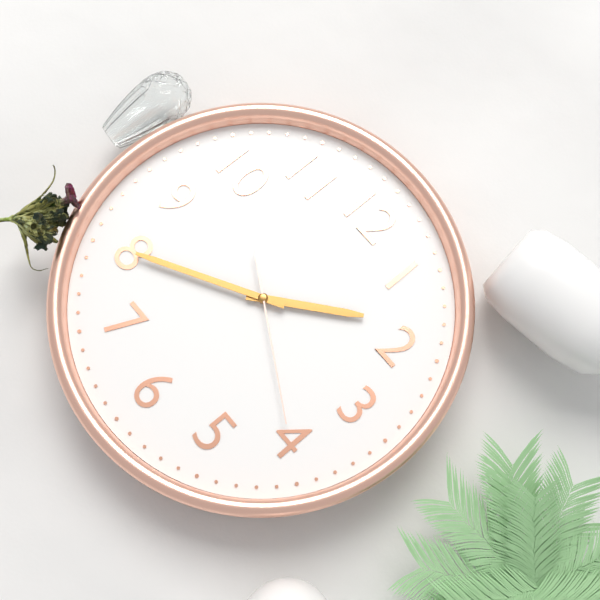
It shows 1,40,20
